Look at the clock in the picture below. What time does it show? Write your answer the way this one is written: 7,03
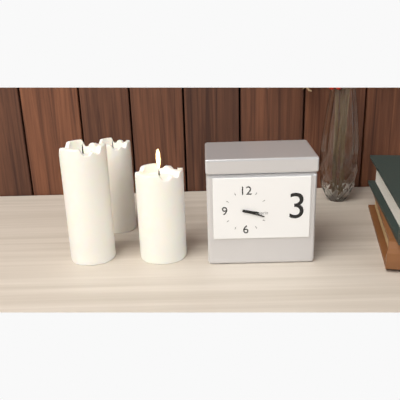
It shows 3,18
